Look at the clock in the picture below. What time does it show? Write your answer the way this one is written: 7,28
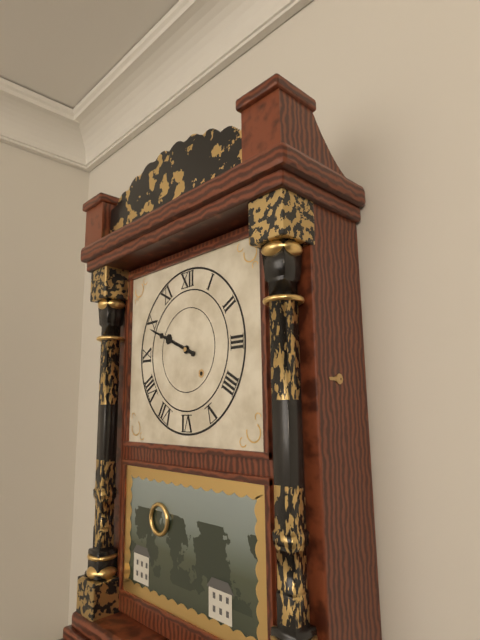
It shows 9,49
